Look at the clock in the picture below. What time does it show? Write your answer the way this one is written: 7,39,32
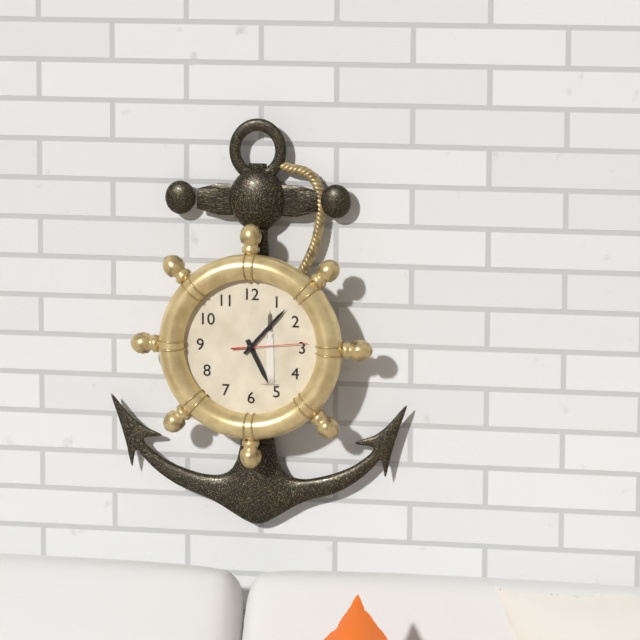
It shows 5,07,14
